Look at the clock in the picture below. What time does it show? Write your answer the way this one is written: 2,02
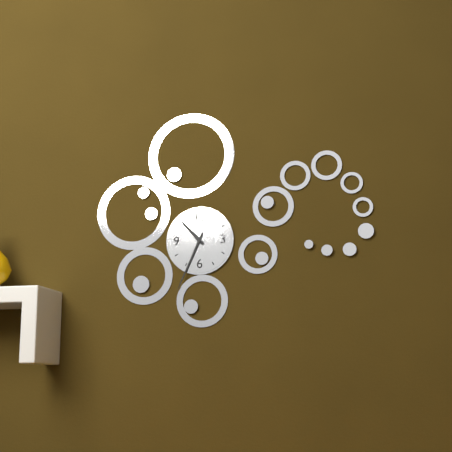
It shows 10,34
